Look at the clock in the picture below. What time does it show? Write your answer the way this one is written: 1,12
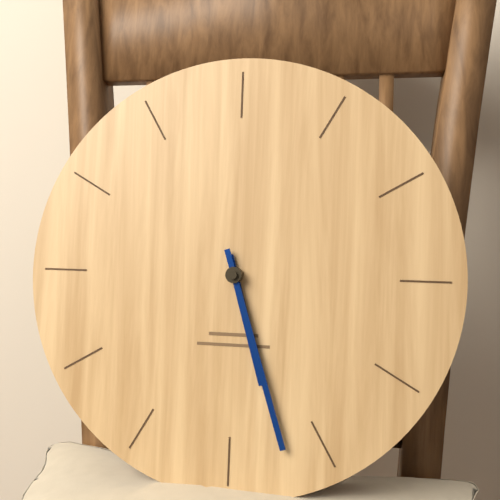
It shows 5,27
